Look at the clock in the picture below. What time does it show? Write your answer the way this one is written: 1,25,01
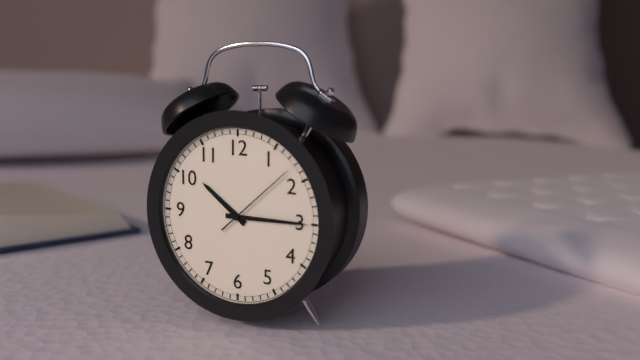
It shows 10,15,08
